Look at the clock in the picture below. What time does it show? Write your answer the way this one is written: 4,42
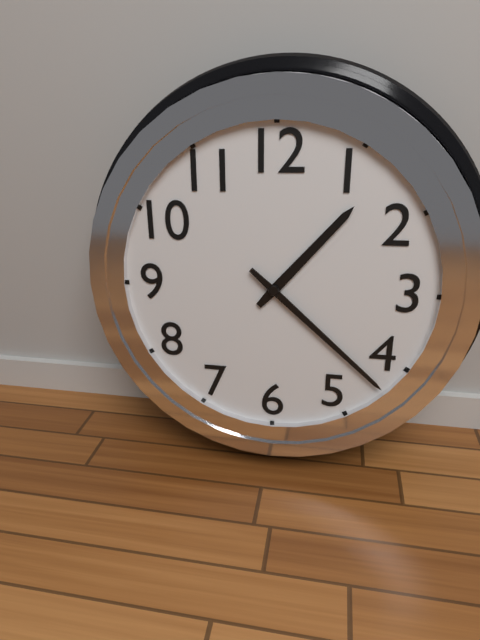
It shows 1,22
